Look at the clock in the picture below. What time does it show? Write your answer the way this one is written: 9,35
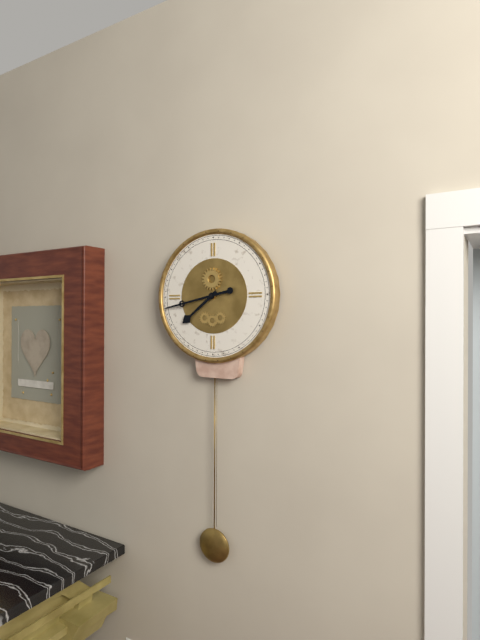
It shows 7,43
